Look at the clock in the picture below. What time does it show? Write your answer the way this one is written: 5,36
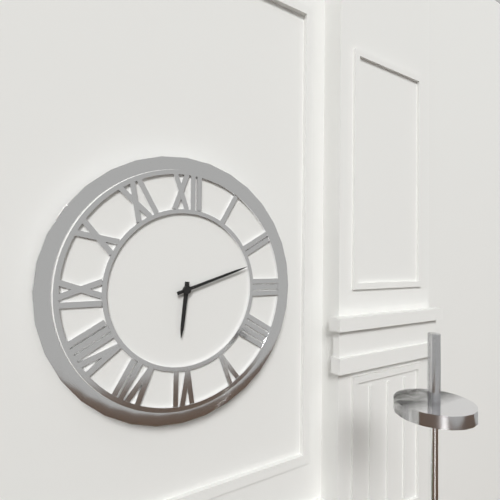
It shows 6,12
